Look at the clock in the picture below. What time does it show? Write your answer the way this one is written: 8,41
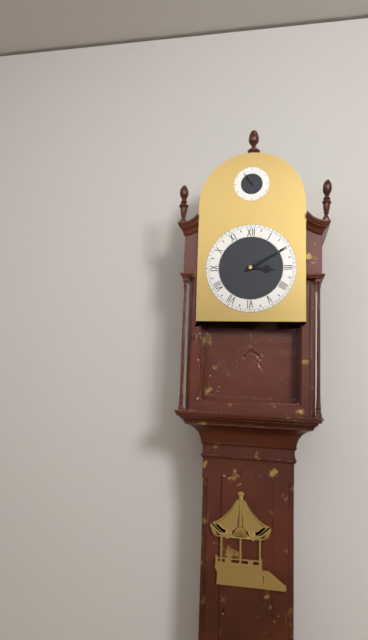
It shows 3,10
